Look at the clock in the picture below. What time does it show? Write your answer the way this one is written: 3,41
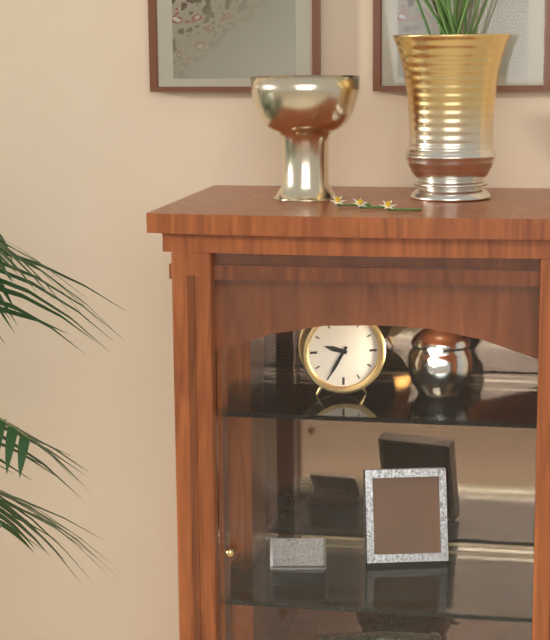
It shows 9,35
